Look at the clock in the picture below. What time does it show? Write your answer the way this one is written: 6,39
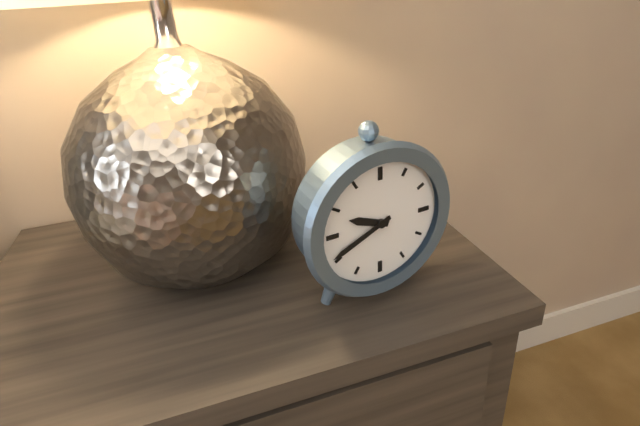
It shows 9,41
